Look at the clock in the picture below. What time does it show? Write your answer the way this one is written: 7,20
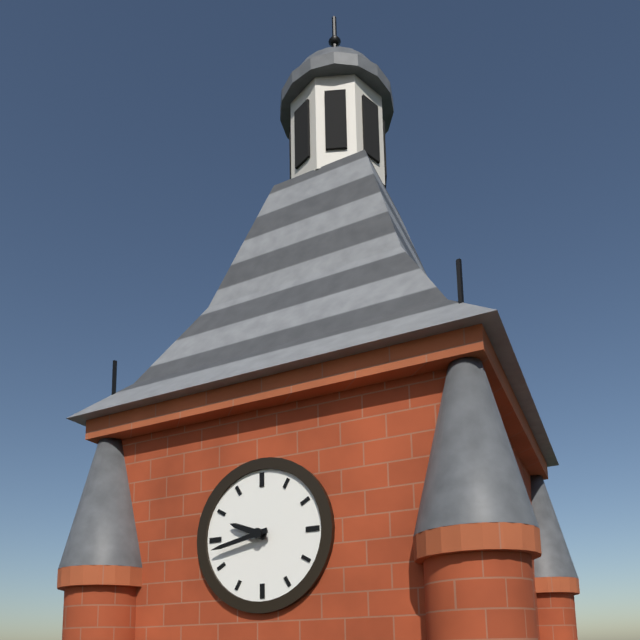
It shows 9,43
